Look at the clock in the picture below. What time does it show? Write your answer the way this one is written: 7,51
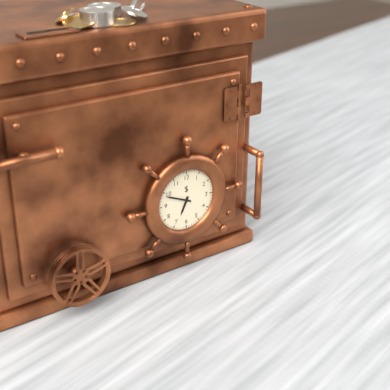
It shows 6,49
